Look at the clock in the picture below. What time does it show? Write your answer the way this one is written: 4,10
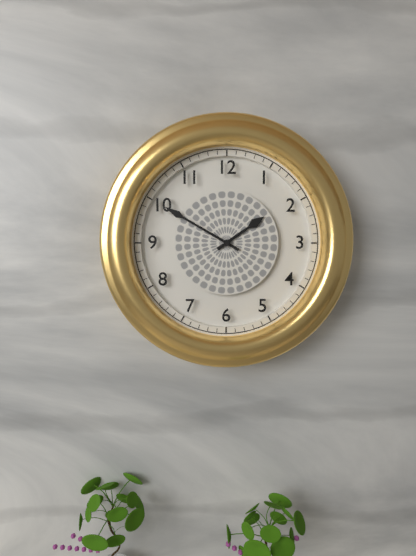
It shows 1,50
